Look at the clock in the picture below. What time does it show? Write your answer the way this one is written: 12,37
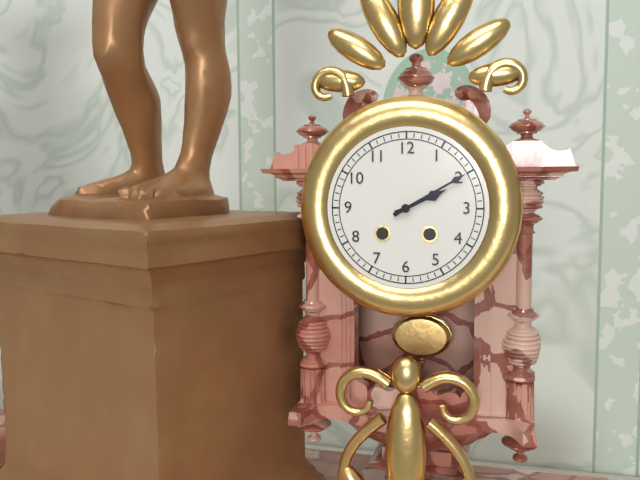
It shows 2,10
